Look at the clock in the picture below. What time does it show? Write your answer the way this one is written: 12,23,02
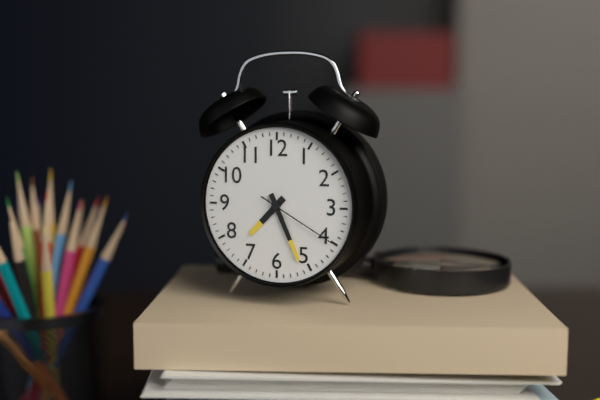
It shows 7,26,20
